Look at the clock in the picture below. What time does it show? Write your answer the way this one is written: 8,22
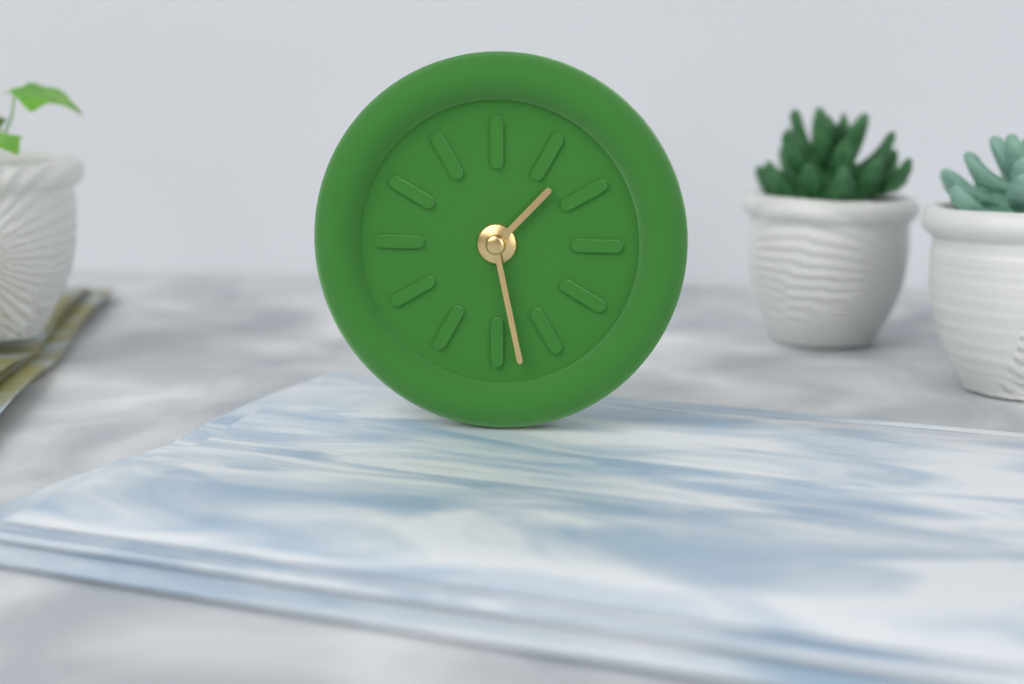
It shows 1,28
